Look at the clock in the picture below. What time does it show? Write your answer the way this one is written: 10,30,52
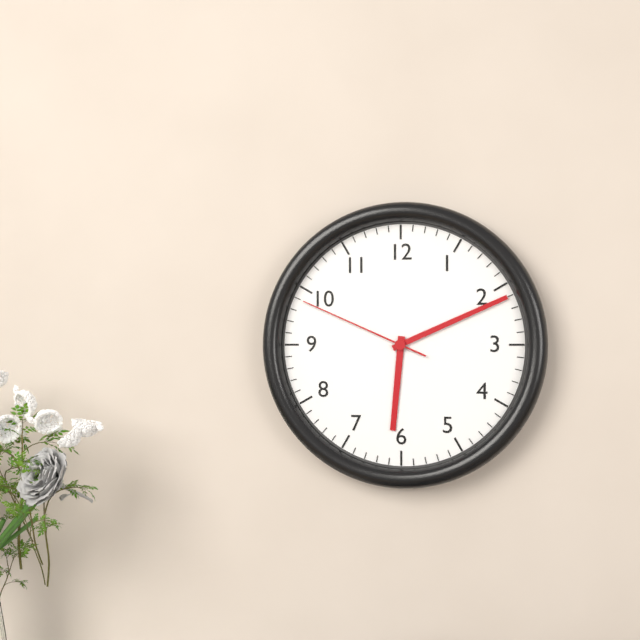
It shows 6,11,49
